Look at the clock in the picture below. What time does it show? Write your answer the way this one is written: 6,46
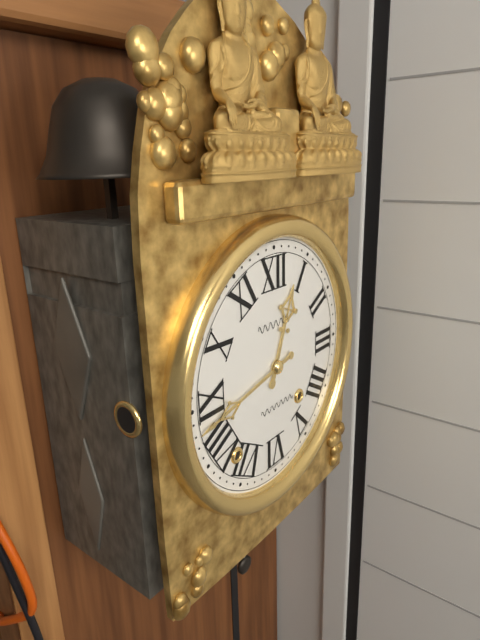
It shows 12,43
